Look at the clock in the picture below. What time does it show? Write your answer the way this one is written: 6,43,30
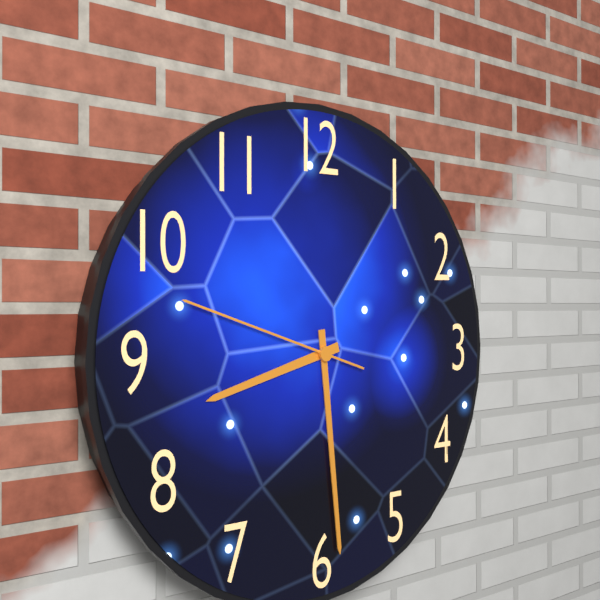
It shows 8,29,48
